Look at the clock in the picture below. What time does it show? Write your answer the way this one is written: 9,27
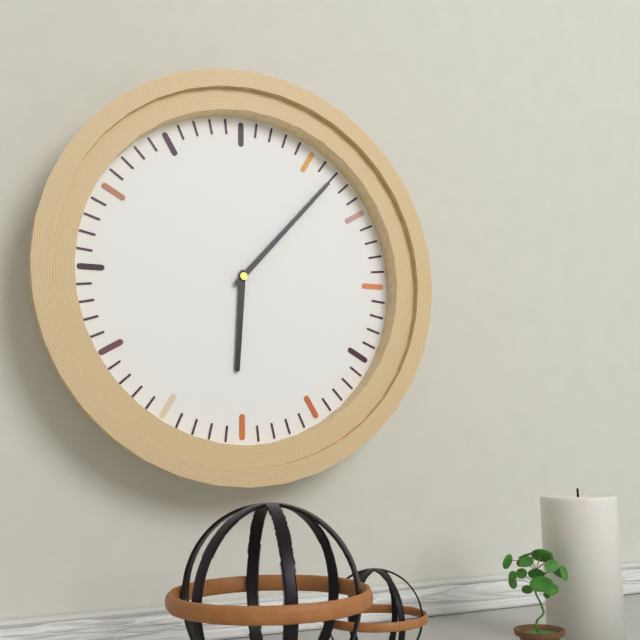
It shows 6,07
